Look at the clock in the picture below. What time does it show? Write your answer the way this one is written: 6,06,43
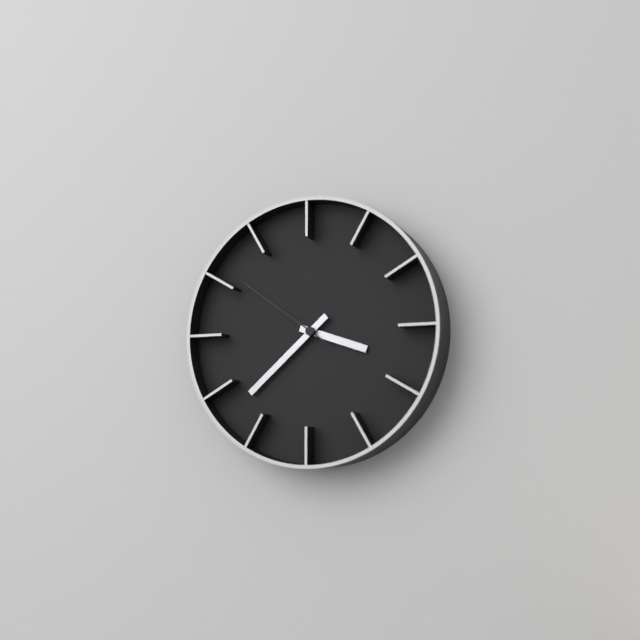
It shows 3,38,51
